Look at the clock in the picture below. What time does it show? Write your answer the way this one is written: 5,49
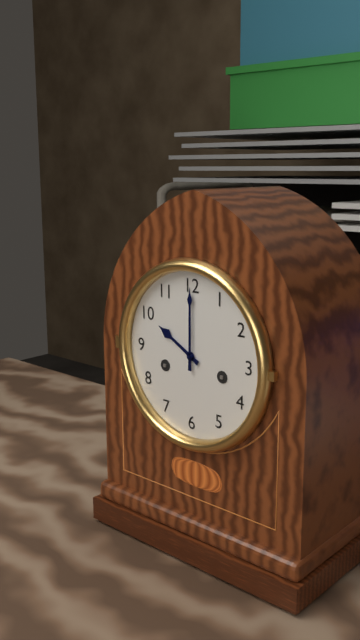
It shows 10,00
